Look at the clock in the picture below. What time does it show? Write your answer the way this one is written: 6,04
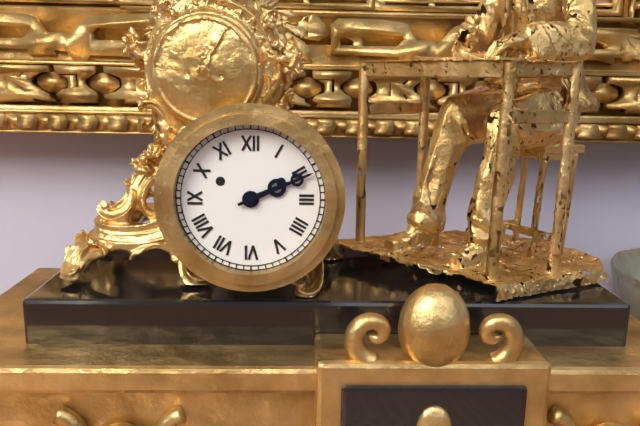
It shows 2,11
